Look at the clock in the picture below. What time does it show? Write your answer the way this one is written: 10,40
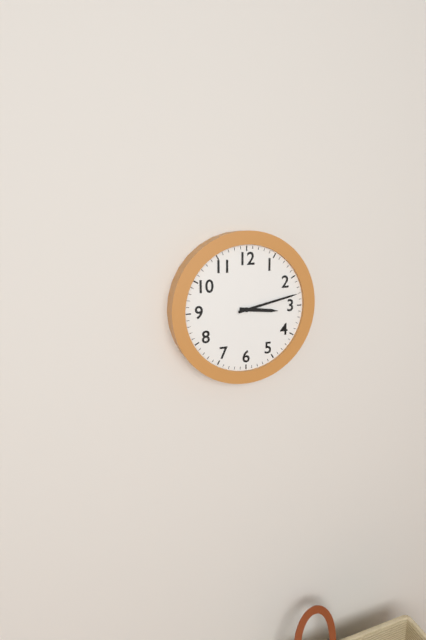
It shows 3,13
